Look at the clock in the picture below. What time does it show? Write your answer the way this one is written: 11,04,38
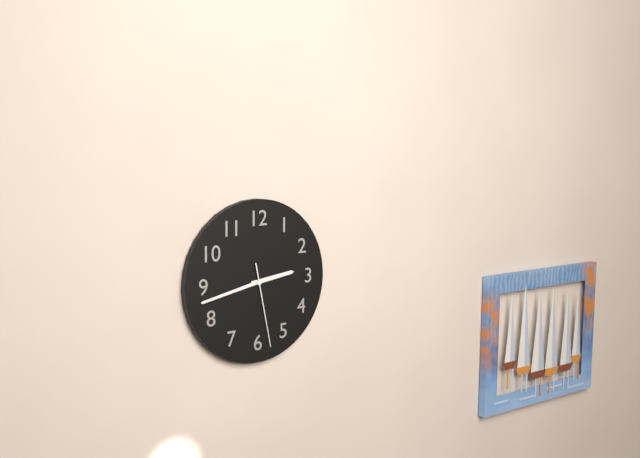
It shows 2,43,28
